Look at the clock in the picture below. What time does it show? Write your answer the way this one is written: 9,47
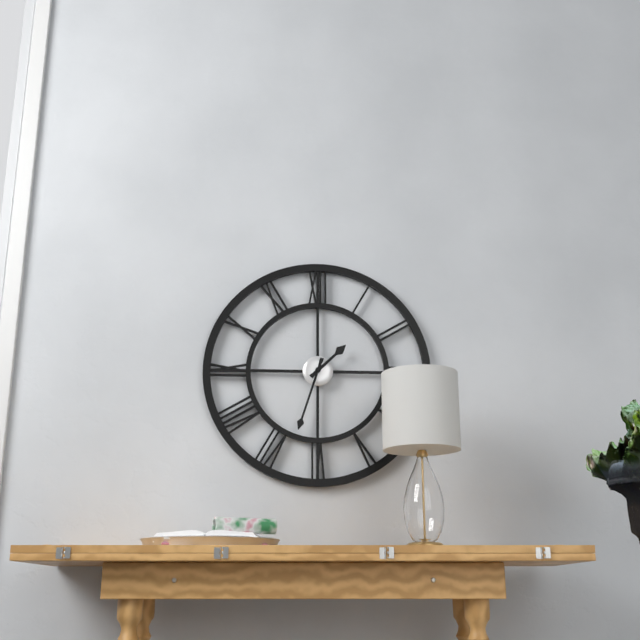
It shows 1,33
